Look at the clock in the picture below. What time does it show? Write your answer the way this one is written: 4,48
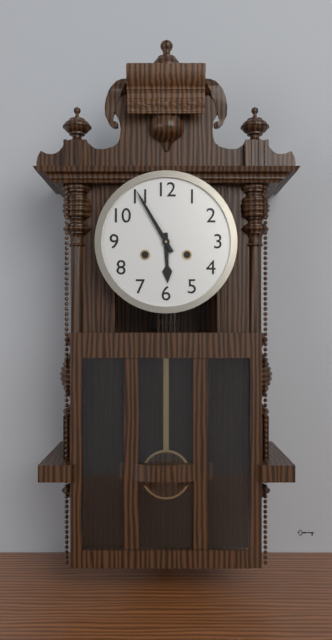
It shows 5,55
